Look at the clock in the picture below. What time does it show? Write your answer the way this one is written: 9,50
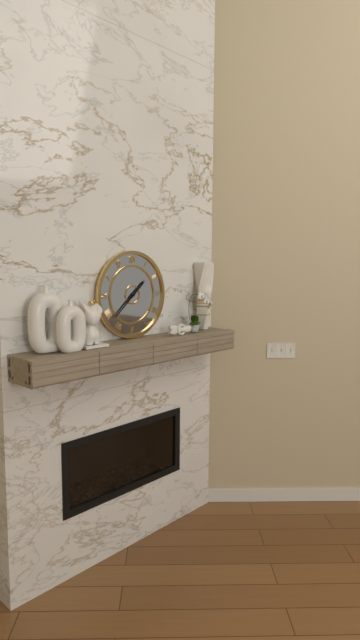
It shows 1,38
